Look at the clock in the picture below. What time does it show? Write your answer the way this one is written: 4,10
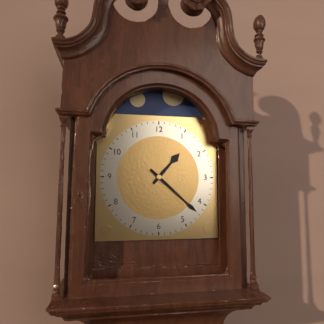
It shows 1,22
